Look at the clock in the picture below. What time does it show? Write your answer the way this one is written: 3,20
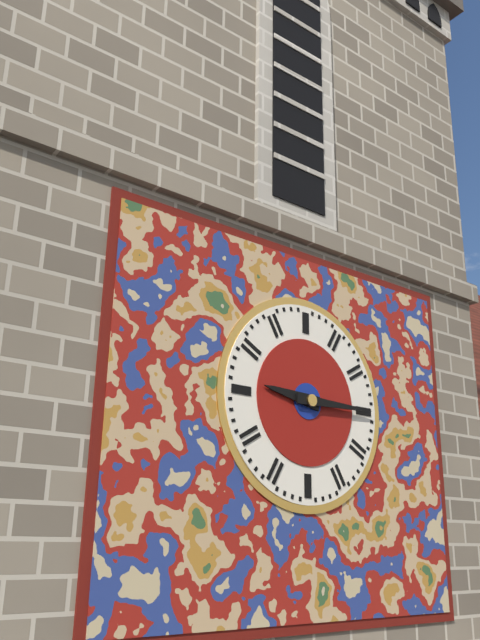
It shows 9,15
